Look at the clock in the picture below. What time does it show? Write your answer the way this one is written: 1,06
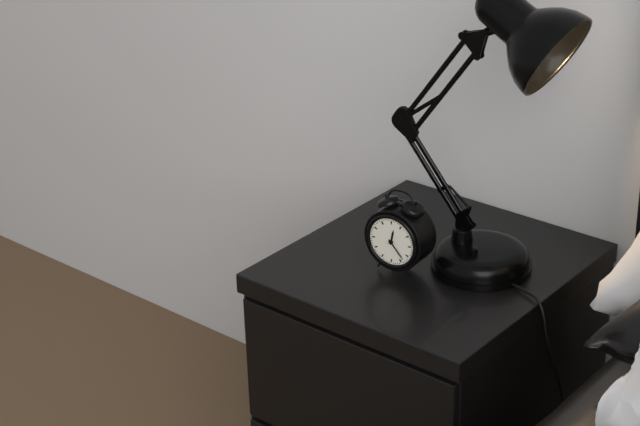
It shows 12,23
